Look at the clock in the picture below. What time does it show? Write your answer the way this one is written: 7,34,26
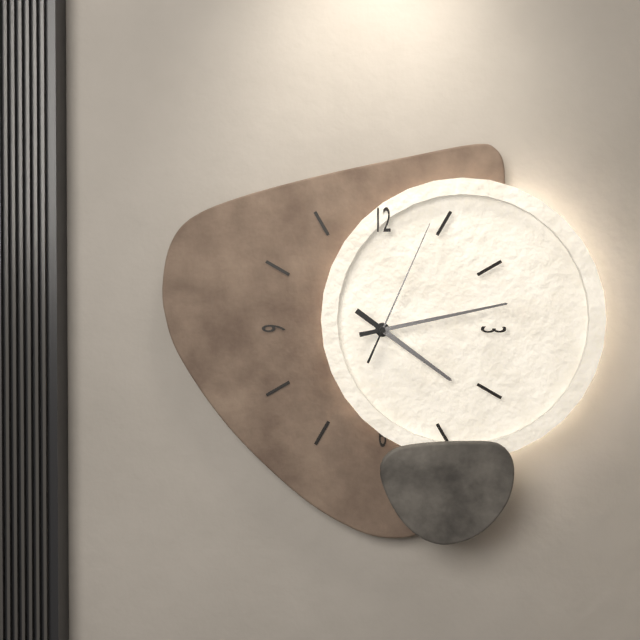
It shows 4,13,04
